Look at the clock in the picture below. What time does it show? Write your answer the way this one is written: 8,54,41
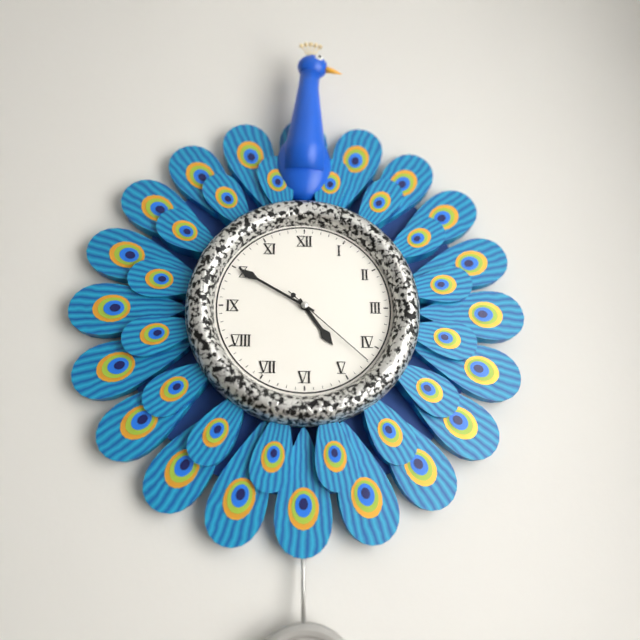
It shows 4,50,22
